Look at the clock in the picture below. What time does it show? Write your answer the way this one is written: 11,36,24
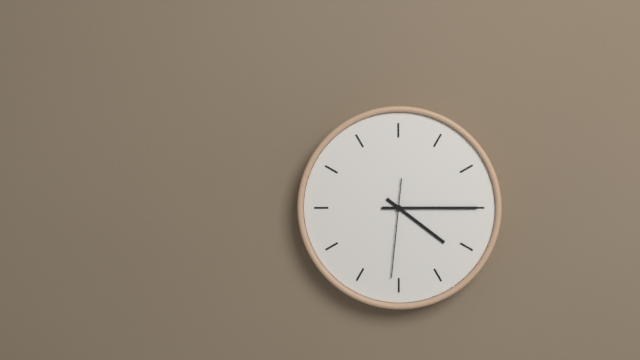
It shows 4,15,31
